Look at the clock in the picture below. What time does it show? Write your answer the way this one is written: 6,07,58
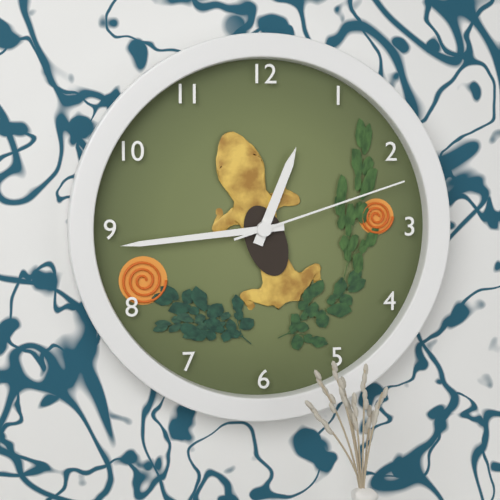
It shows 12,44,12
